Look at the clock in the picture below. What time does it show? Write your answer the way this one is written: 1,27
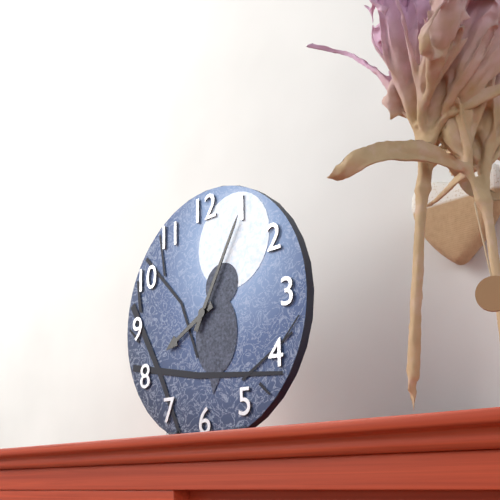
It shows 8,05
